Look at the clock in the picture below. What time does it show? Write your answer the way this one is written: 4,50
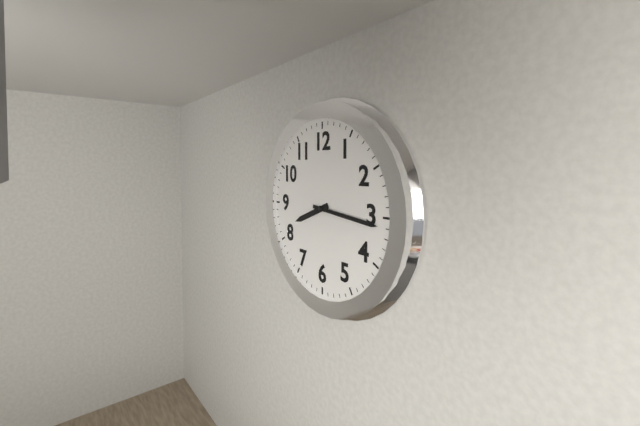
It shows 8,16
